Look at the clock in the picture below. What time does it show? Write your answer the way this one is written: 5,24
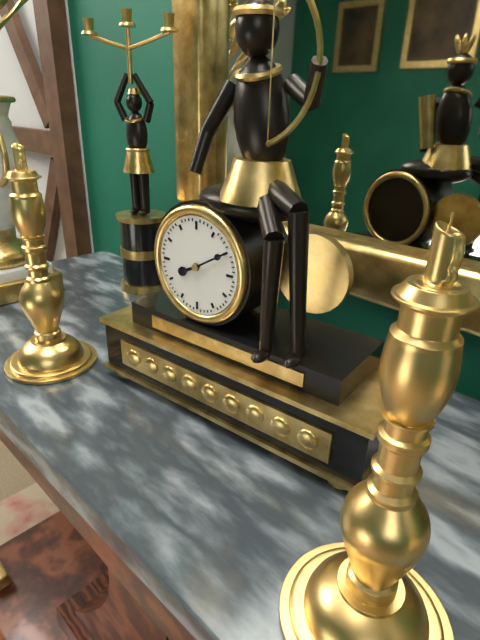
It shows 8,10
